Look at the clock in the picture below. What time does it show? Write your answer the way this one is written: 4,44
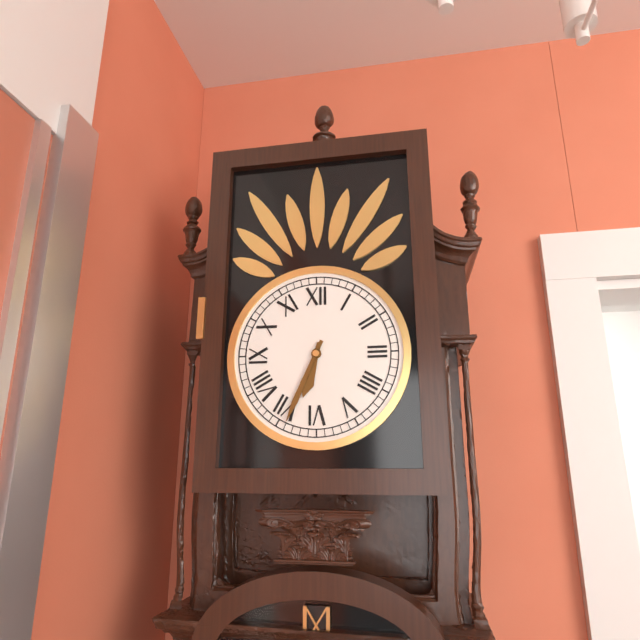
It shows 6,34
